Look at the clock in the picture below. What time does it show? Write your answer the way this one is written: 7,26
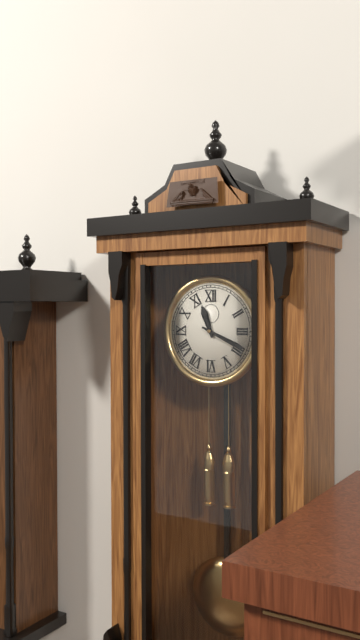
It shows 11,19
